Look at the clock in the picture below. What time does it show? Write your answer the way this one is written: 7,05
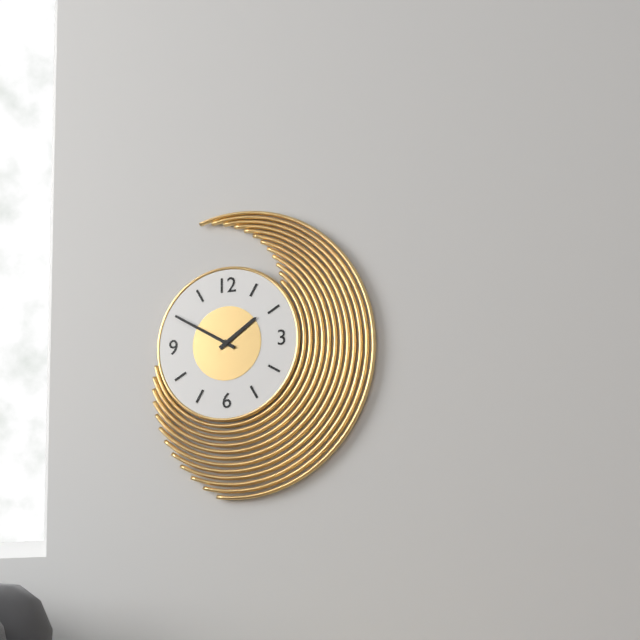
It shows 1,50
